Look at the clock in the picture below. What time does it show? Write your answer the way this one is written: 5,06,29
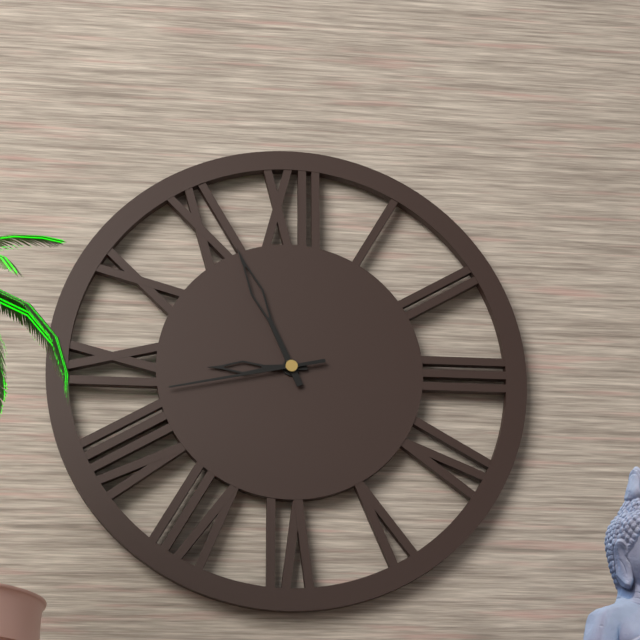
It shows 8,56,43
